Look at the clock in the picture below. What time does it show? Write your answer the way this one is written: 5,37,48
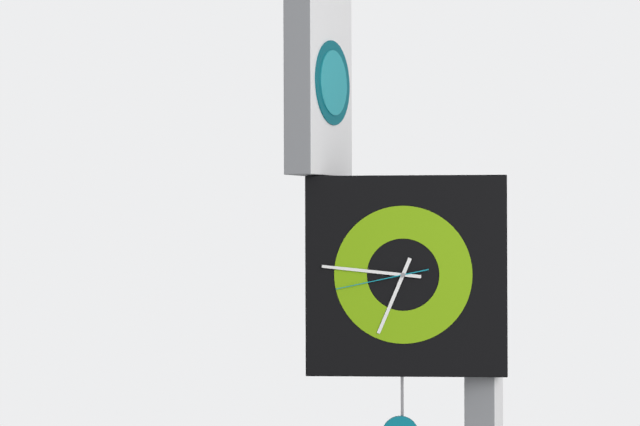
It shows 6,46,43
